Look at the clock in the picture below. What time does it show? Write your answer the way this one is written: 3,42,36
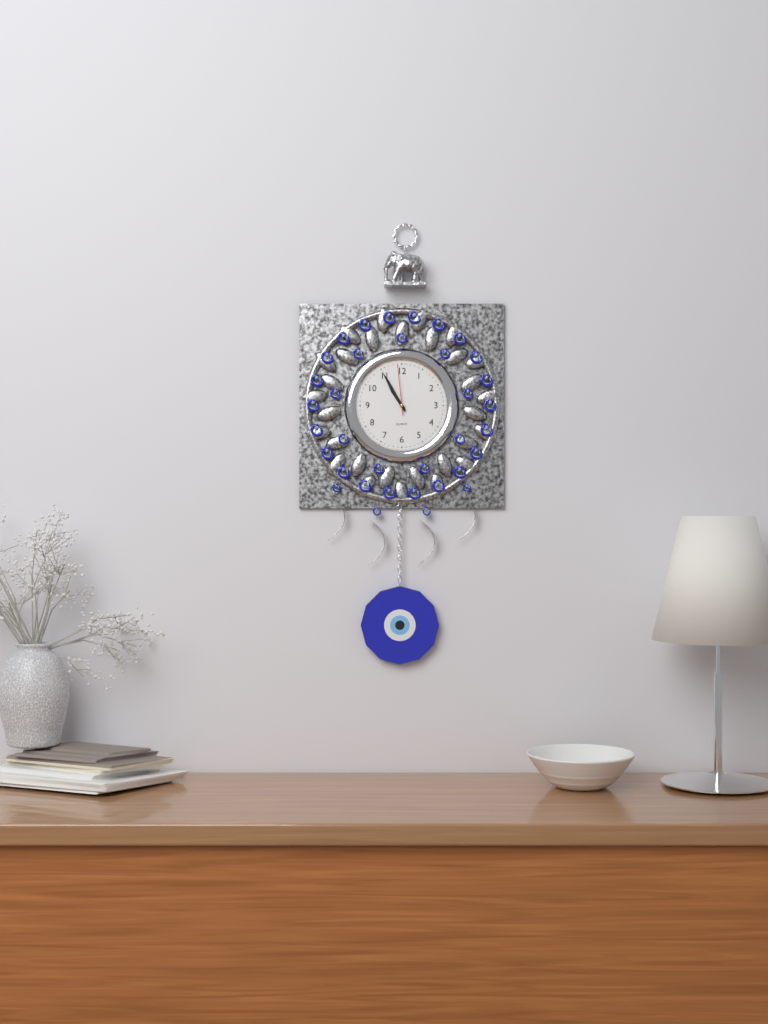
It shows 10,55,59
